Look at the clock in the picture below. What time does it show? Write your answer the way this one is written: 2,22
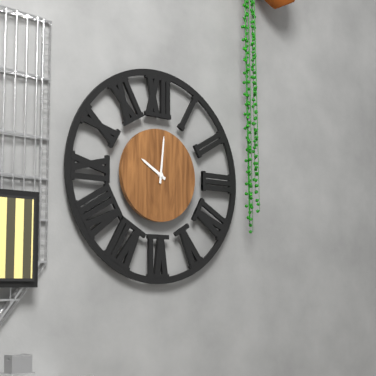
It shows 10,01
